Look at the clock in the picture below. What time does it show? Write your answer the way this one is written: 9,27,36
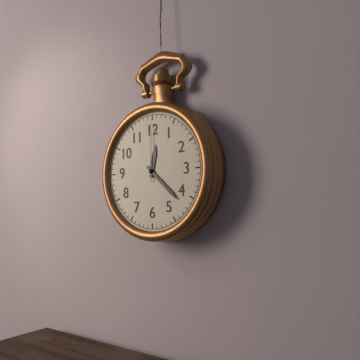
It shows 12,22,00
